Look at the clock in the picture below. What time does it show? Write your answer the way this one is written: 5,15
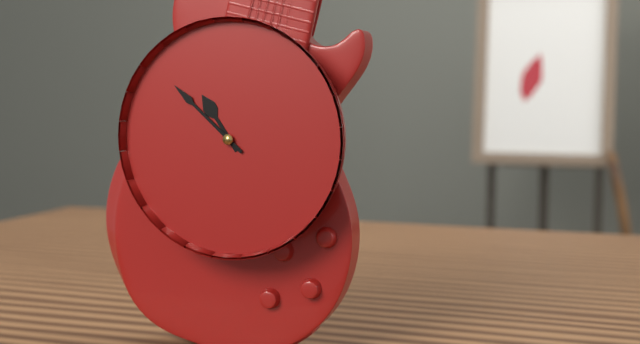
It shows 10,52
